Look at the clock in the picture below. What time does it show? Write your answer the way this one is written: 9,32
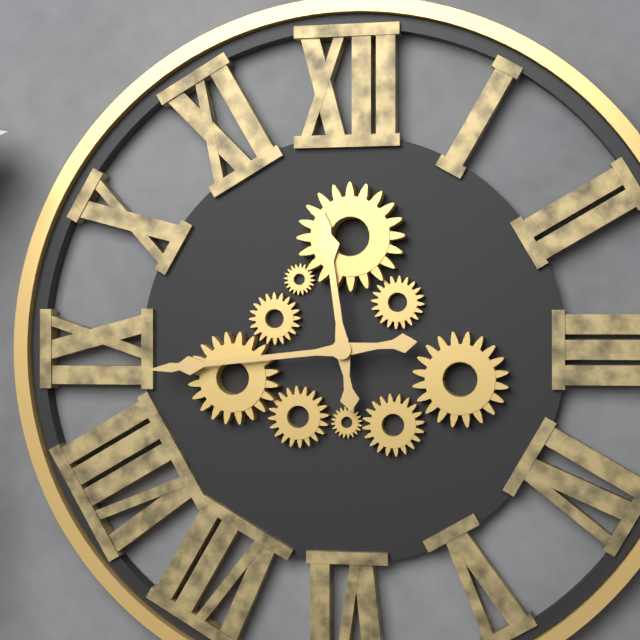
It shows 11,44
